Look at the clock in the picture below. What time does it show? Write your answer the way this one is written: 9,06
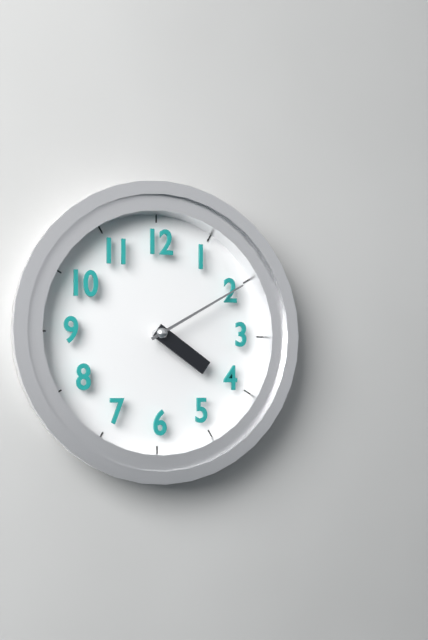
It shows 4,10
